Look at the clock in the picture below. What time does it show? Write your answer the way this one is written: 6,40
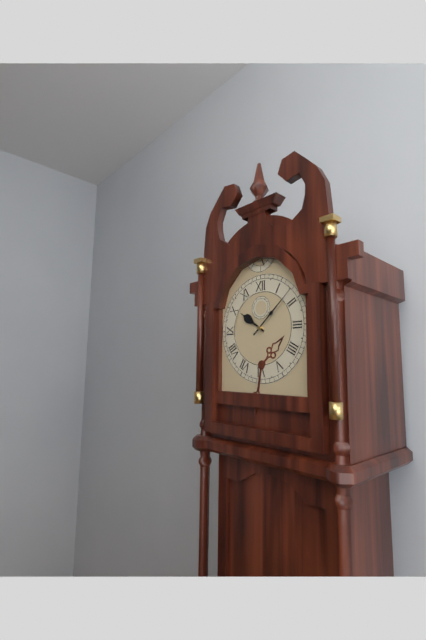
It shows 10,08
